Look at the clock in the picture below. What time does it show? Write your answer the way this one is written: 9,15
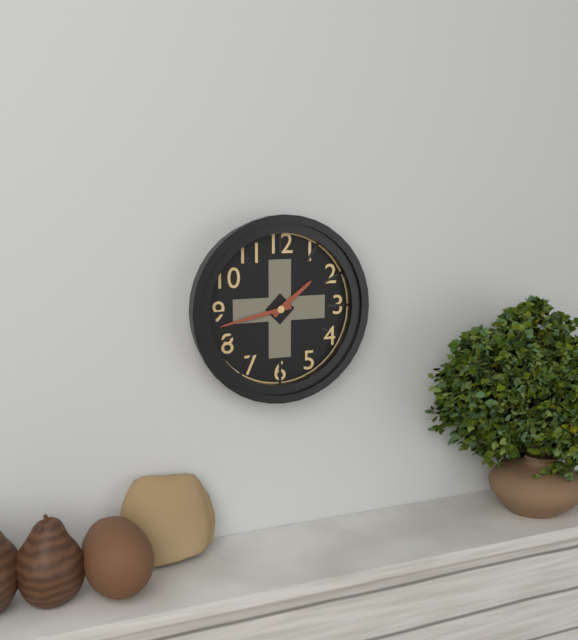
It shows 1,43
